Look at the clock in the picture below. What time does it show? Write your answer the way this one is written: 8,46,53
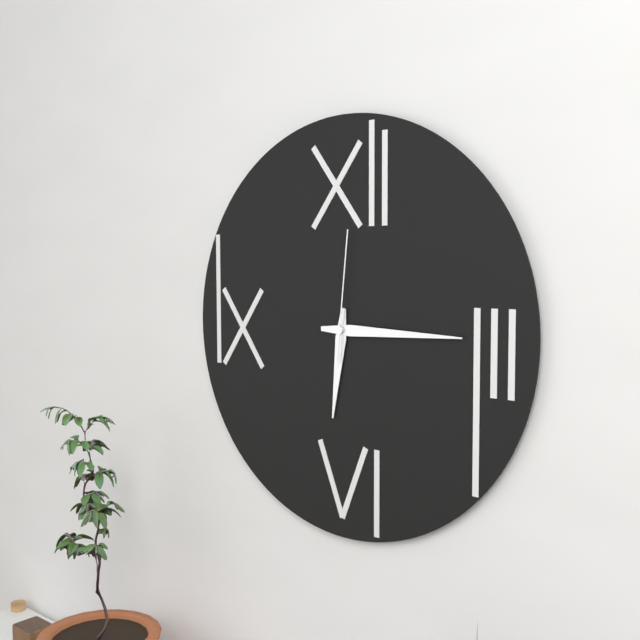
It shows 6,15,01
